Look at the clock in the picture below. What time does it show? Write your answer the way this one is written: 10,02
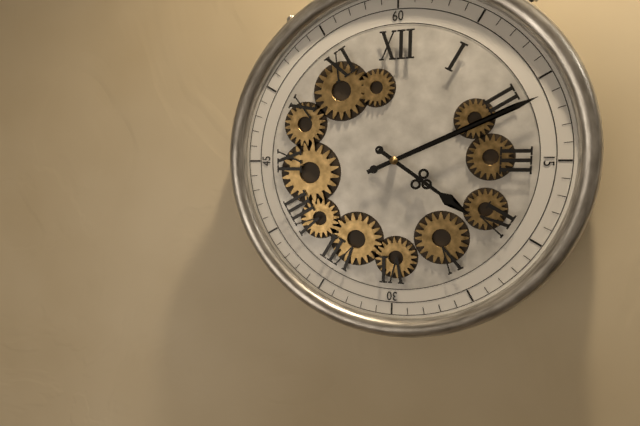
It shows 4,11
